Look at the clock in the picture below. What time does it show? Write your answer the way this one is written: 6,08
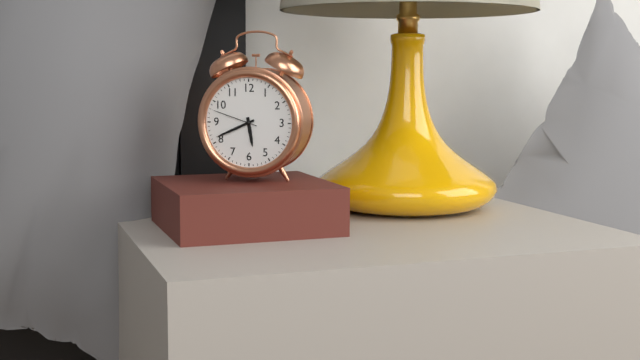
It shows 5,41
